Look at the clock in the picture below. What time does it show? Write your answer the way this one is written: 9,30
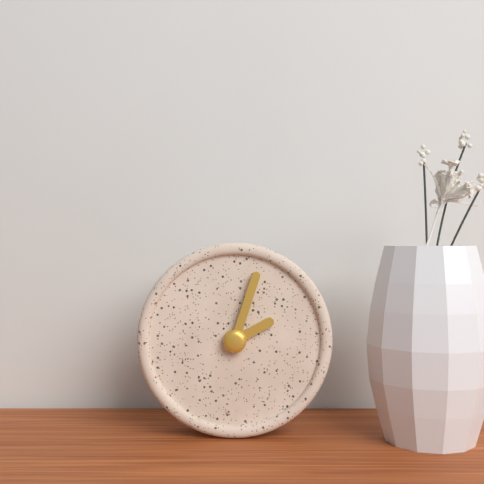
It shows 2,03
